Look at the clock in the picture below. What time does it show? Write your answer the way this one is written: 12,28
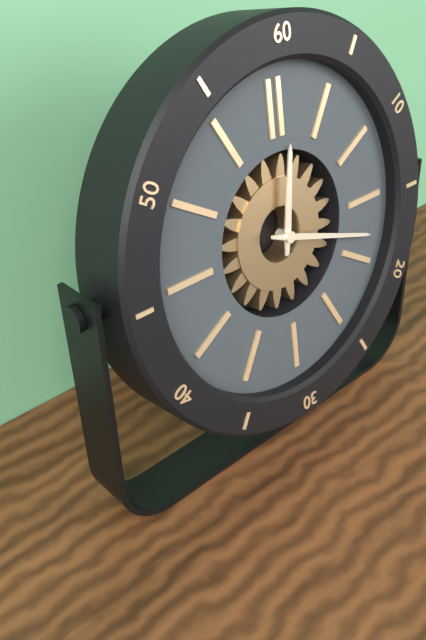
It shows 12,18
